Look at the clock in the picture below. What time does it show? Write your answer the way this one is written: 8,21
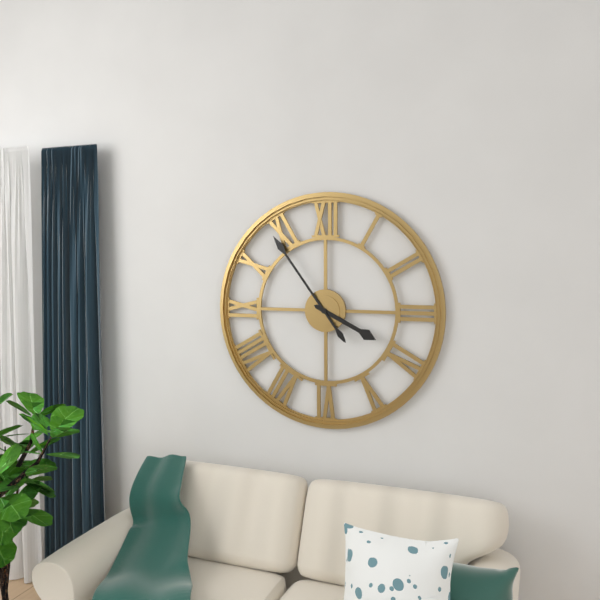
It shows 3,54
